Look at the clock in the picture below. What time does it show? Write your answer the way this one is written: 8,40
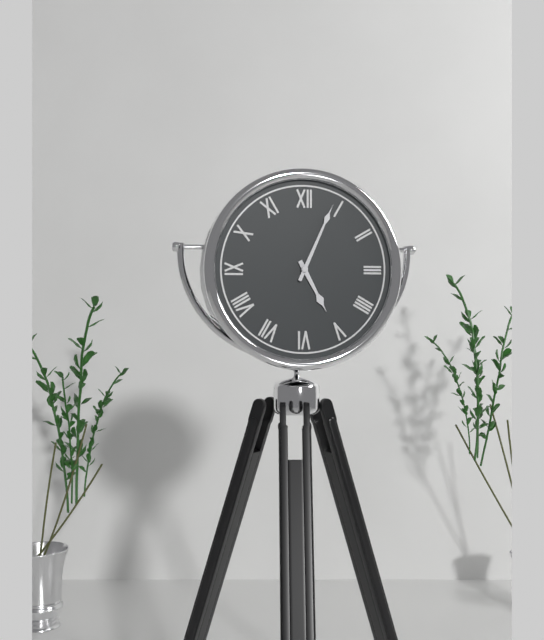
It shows 5,04
